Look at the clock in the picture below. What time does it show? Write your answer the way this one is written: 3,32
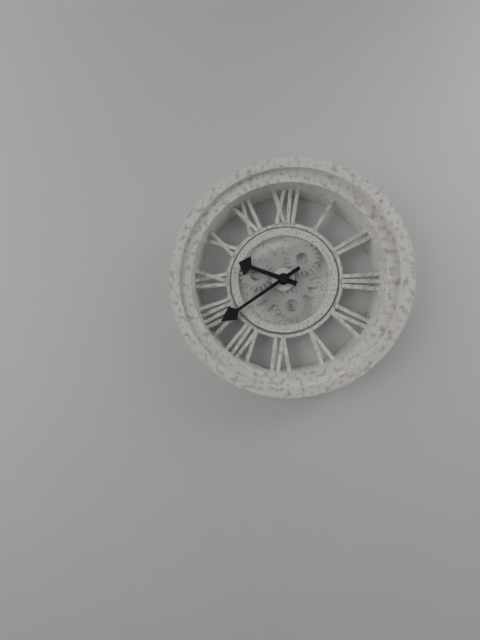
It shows 9,39
